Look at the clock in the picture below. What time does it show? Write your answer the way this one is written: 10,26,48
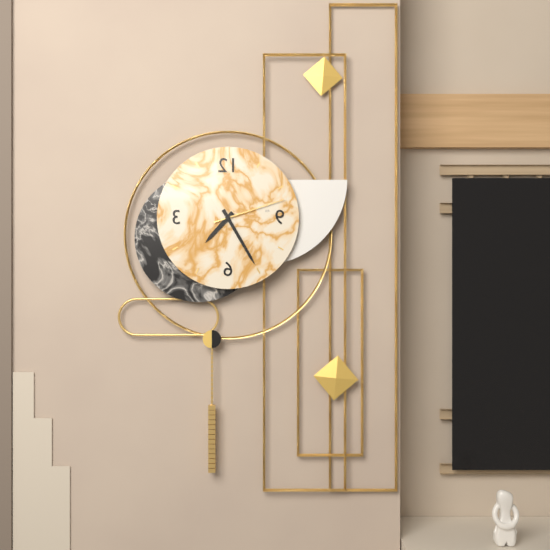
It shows 7,25,12
